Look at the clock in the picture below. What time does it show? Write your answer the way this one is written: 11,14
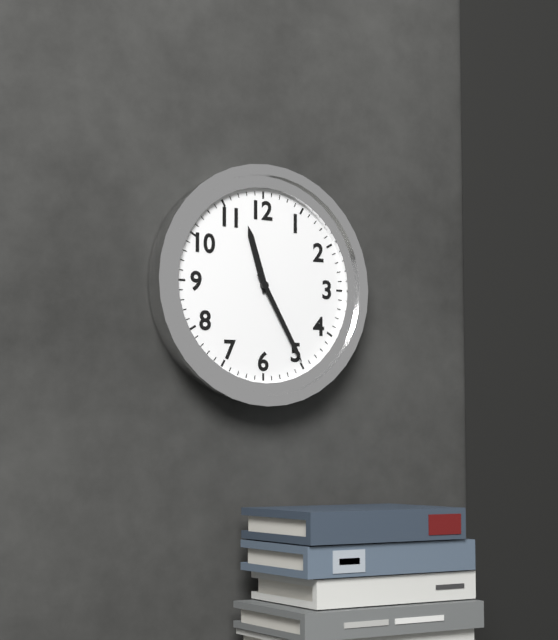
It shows 11,25
